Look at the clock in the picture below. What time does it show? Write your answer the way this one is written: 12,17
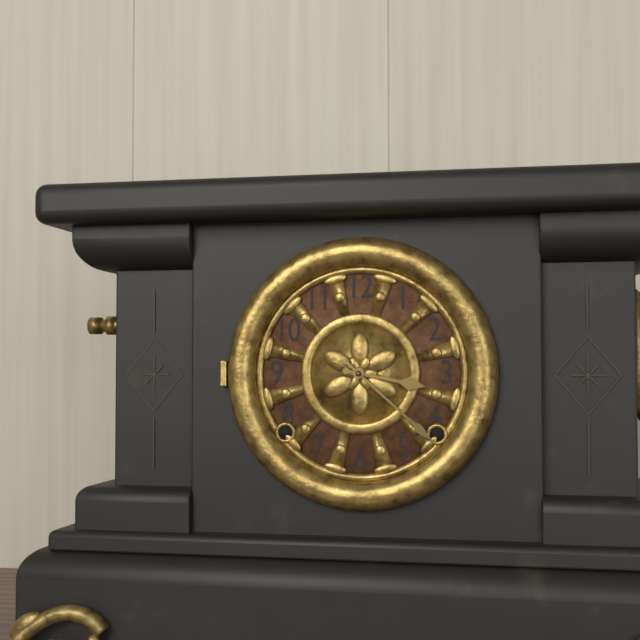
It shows 3,22
